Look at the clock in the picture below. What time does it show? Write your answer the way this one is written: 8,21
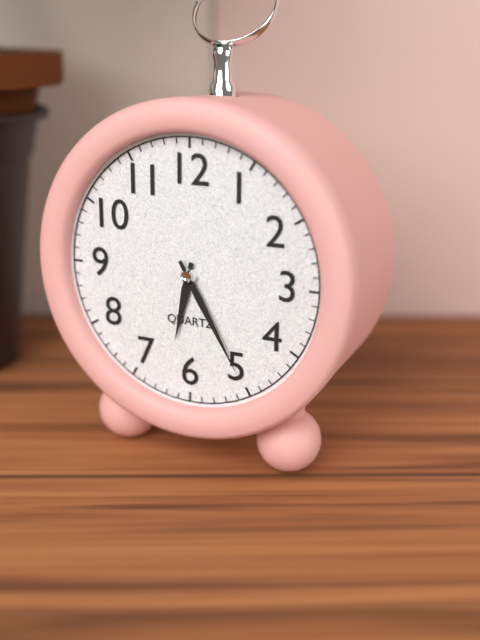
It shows 6,25
